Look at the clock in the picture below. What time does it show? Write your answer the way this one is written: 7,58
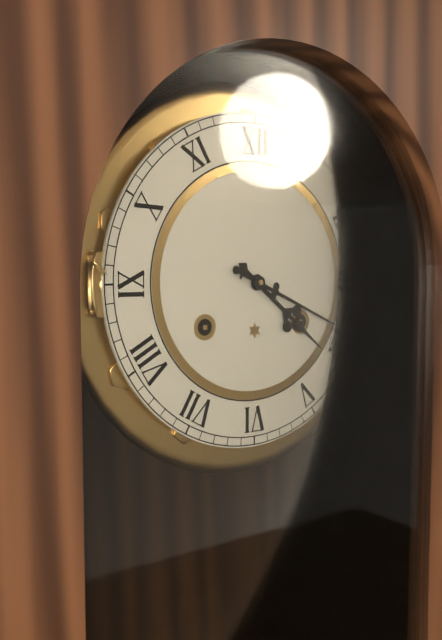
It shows 4,19
